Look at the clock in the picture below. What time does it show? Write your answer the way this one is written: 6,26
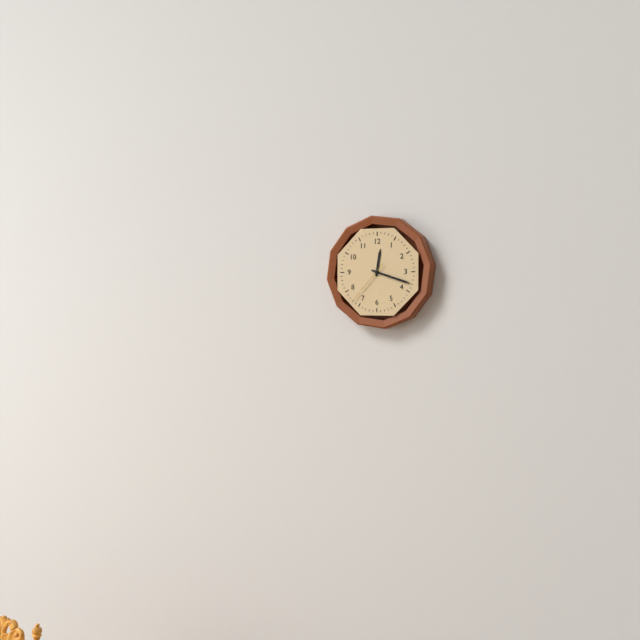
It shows 12,18
